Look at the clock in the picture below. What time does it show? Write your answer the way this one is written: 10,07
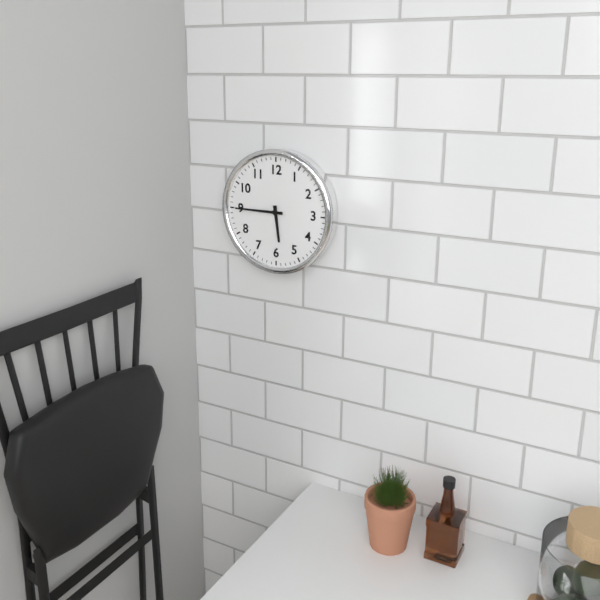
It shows 5,45
